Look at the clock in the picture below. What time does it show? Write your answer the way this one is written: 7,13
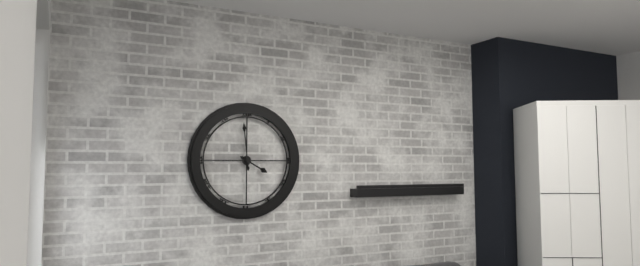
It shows 3,59
